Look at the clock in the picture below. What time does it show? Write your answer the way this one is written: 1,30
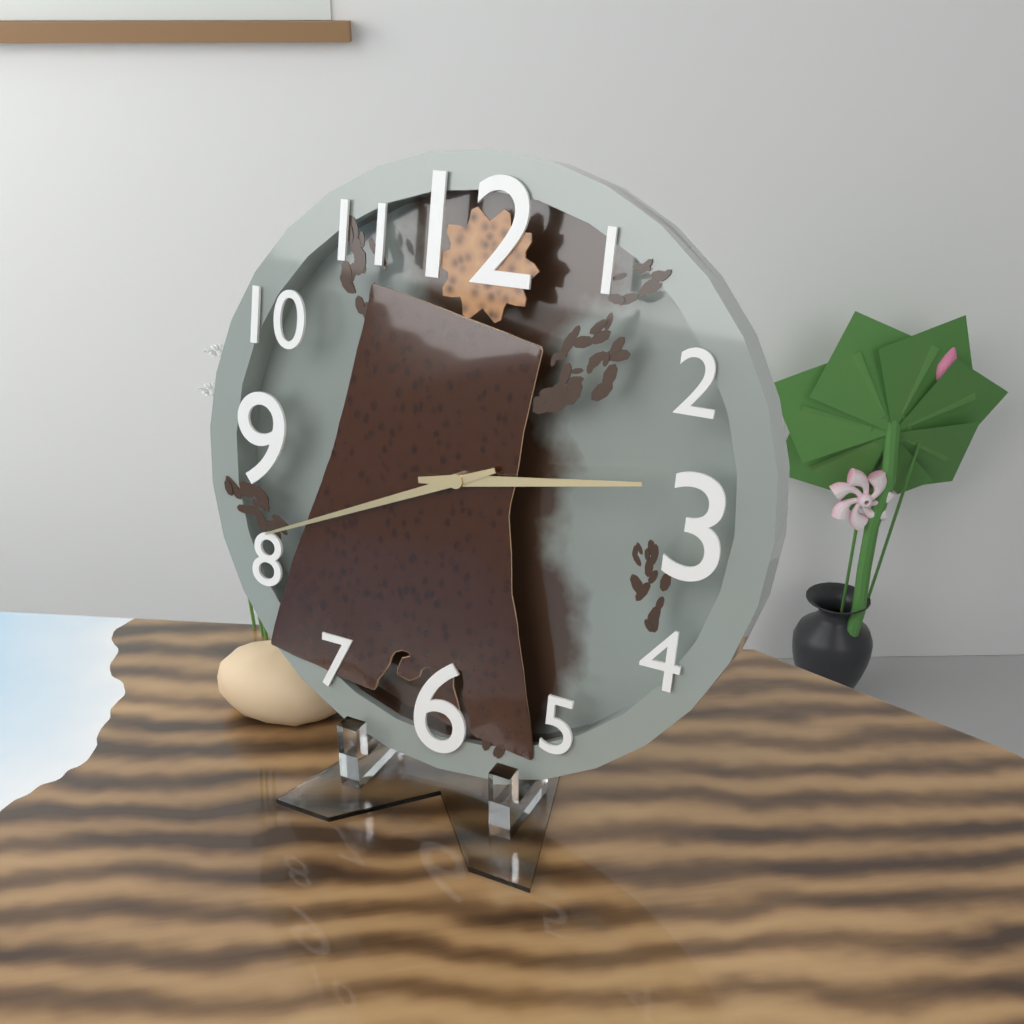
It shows 2,41
